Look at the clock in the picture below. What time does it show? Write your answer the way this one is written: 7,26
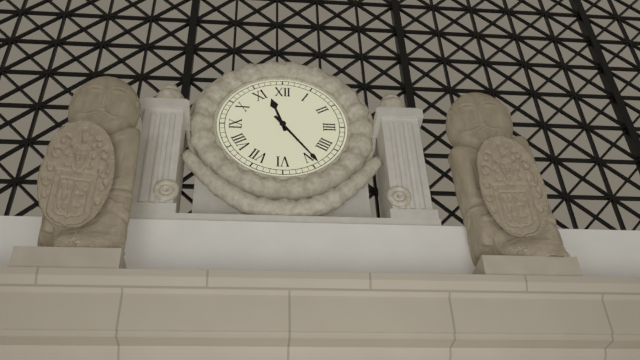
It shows 11,24
